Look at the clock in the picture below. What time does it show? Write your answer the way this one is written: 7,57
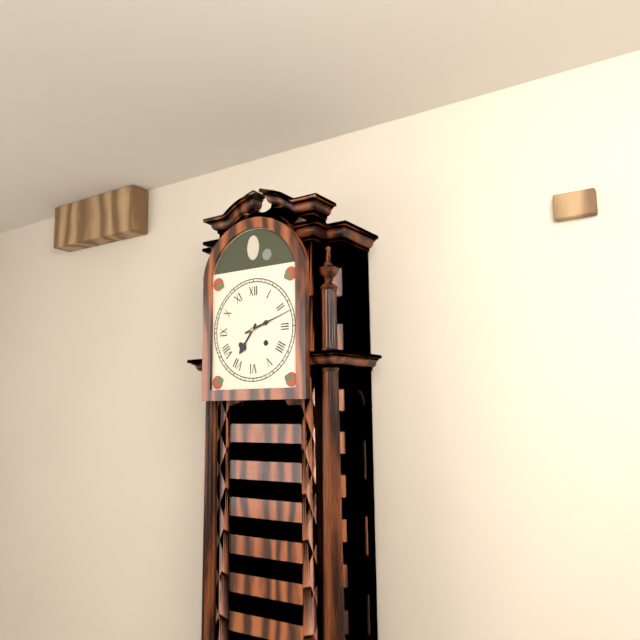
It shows 7,12
